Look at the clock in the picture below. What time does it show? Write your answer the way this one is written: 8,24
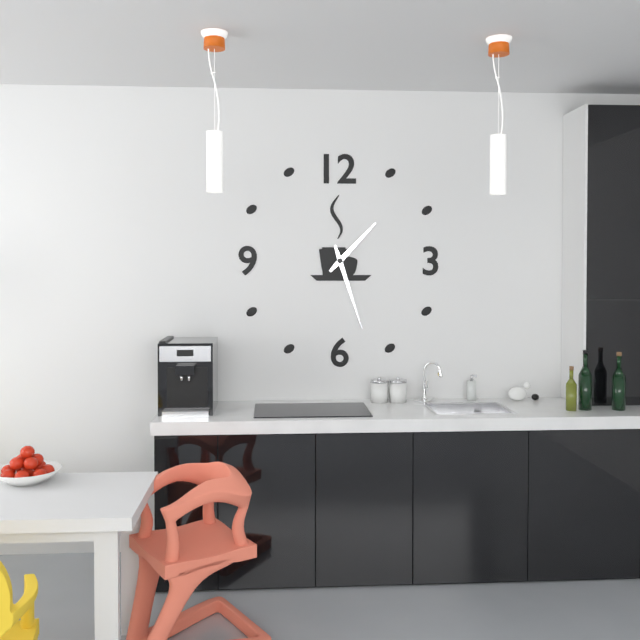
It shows 1,27
